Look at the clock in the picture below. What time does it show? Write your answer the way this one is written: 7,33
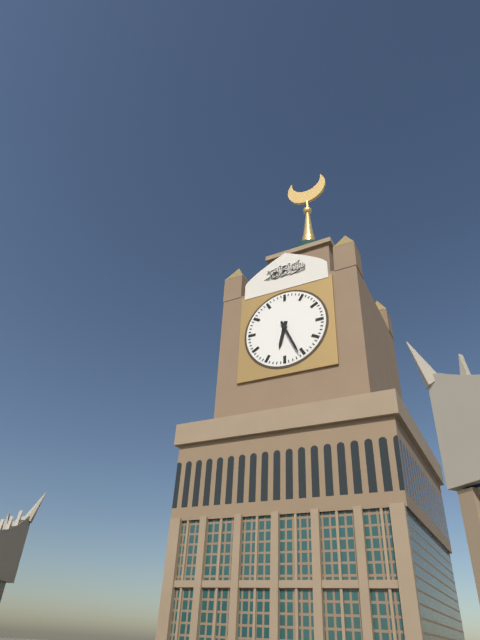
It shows 6,26
